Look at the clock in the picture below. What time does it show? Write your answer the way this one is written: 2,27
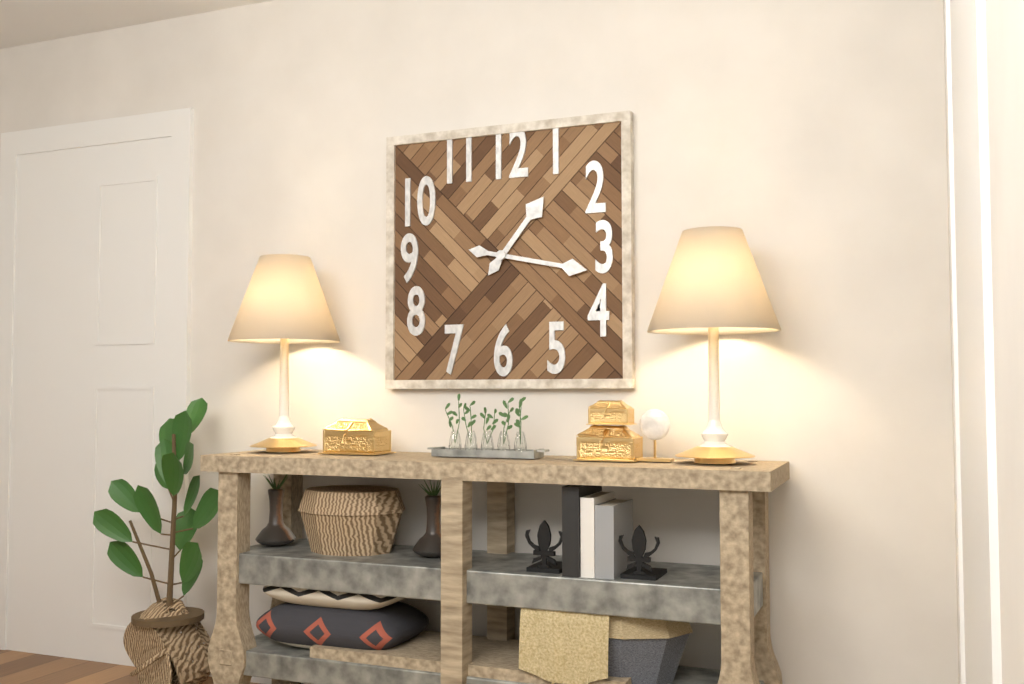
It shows 1,17
